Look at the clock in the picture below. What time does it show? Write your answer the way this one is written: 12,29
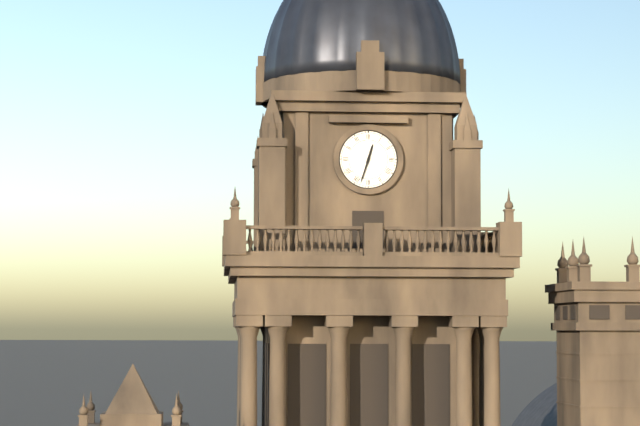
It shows 12,33
